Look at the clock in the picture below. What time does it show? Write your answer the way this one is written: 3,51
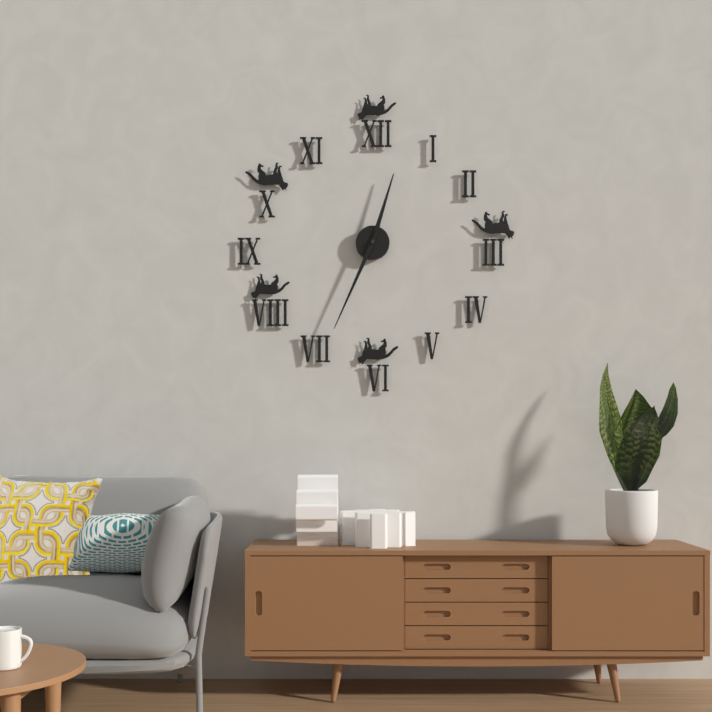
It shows 12,34
